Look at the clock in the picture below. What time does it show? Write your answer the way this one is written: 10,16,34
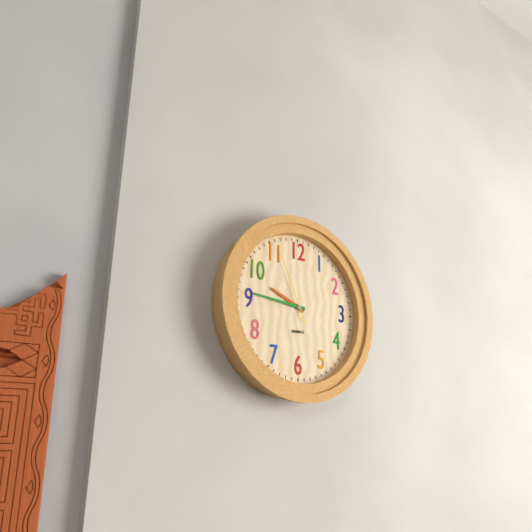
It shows 9,46,56
